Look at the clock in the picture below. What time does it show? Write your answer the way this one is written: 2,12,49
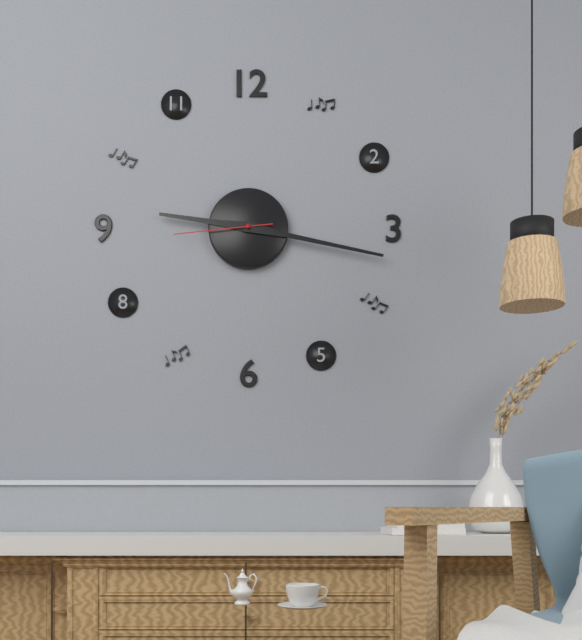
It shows 9,17,44
